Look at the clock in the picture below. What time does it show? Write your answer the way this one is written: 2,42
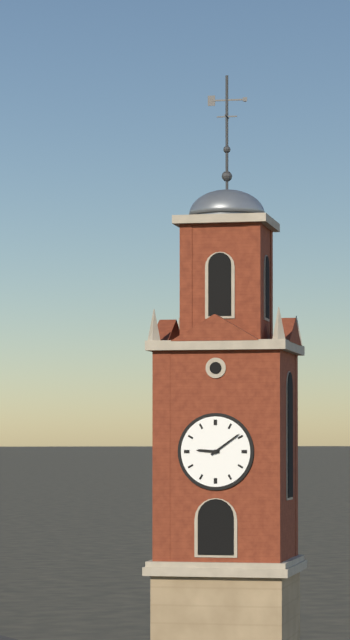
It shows 9,09
